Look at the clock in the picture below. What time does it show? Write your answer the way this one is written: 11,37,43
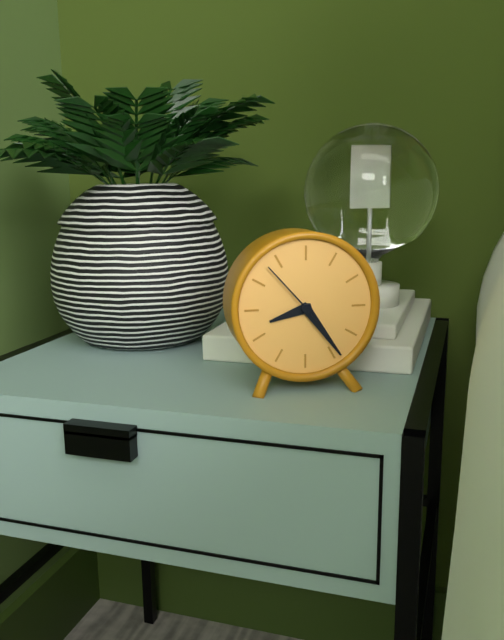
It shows 8,24,53
